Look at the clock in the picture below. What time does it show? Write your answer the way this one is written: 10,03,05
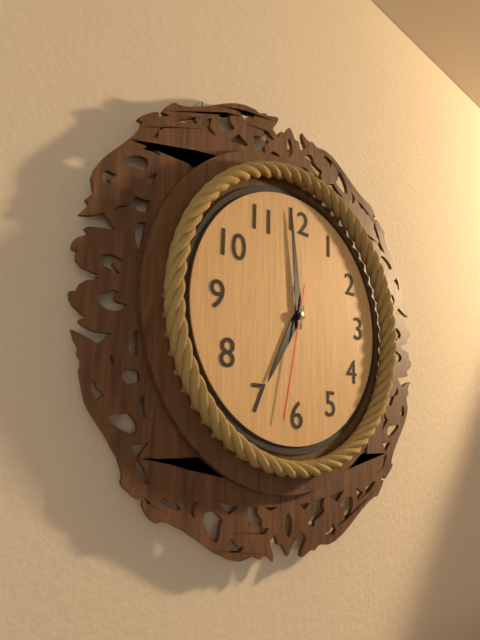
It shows 6,59,32
